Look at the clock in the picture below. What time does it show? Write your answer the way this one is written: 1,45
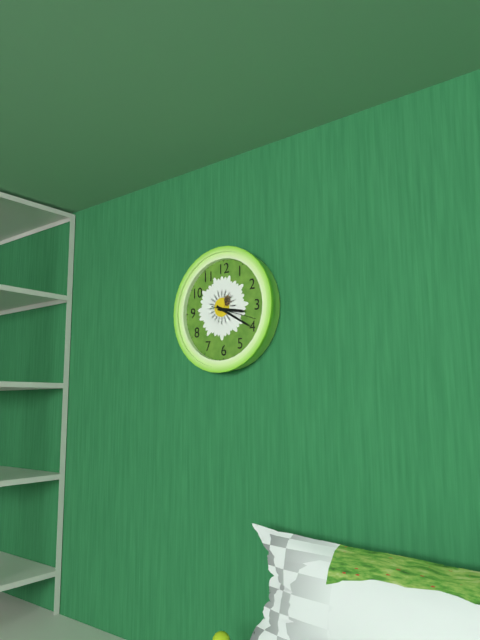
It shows 3,20
